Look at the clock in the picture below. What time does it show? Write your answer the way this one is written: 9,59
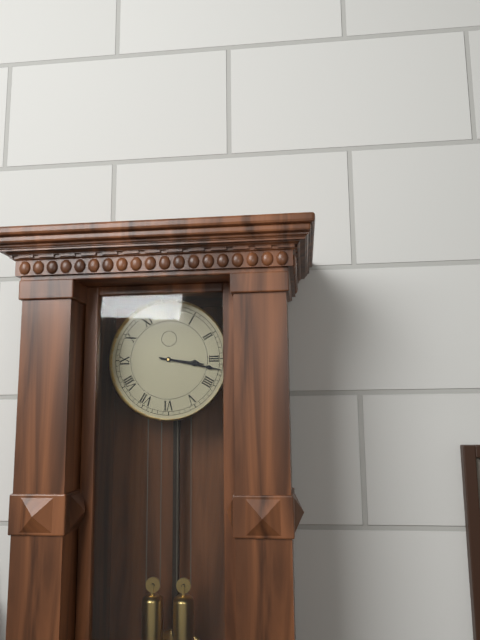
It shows 3,17
